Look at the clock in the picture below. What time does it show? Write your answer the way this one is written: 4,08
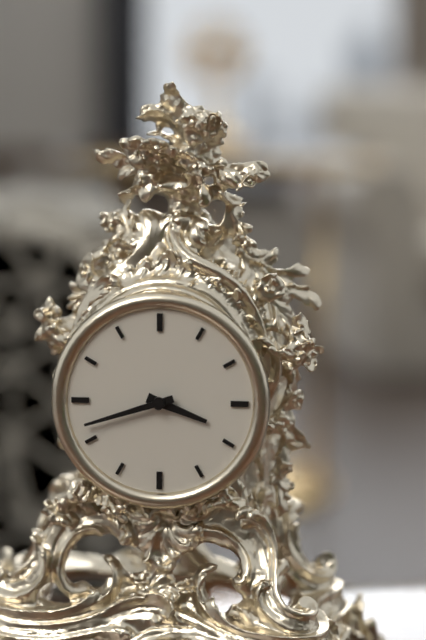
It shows 3,42
